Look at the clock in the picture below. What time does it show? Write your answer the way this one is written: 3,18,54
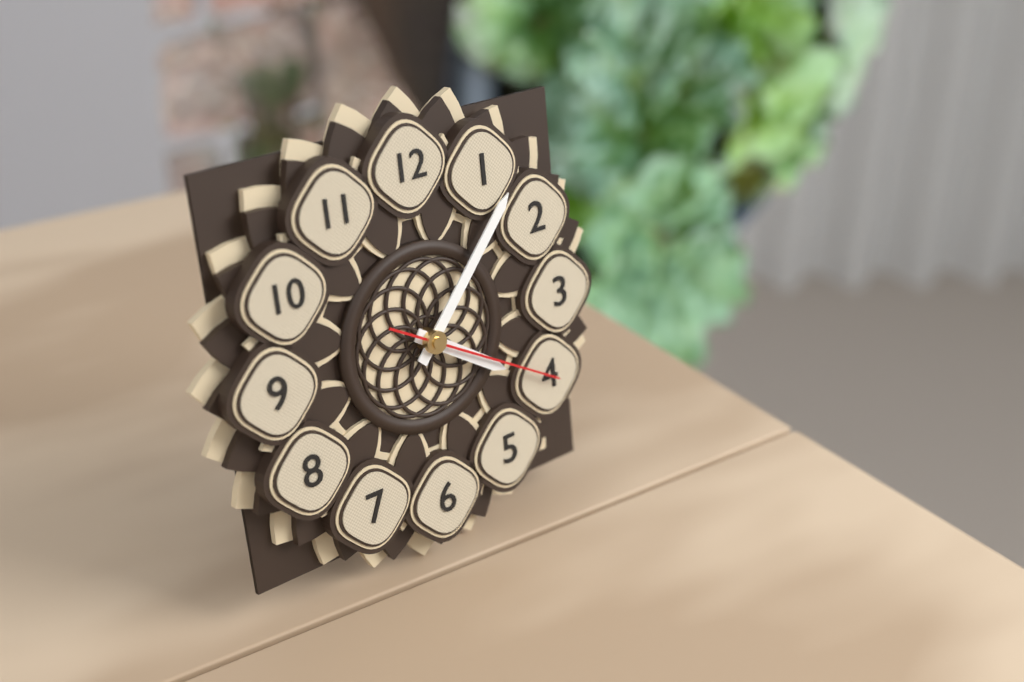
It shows 4,07,20
